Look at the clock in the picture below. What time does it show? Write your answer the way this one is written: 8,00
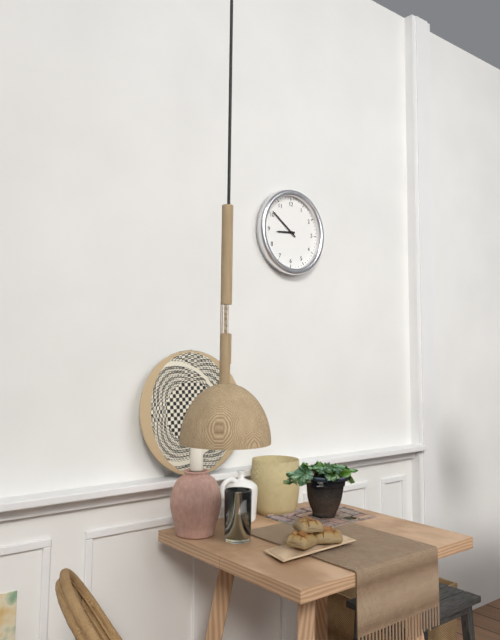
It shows 8,51
